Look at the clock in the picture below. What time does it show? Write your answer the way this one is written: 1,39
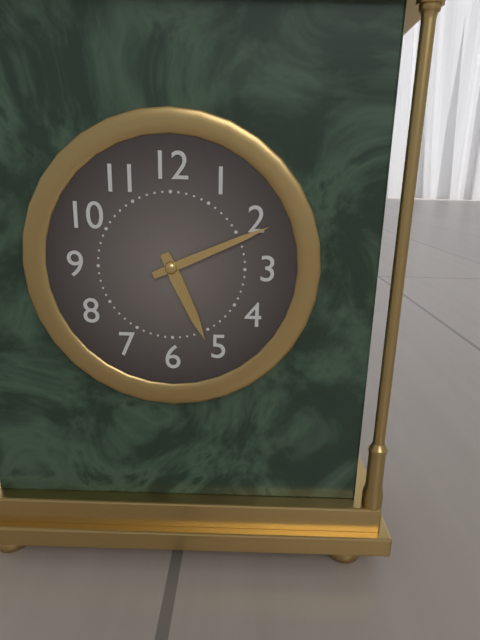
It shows 5,11
